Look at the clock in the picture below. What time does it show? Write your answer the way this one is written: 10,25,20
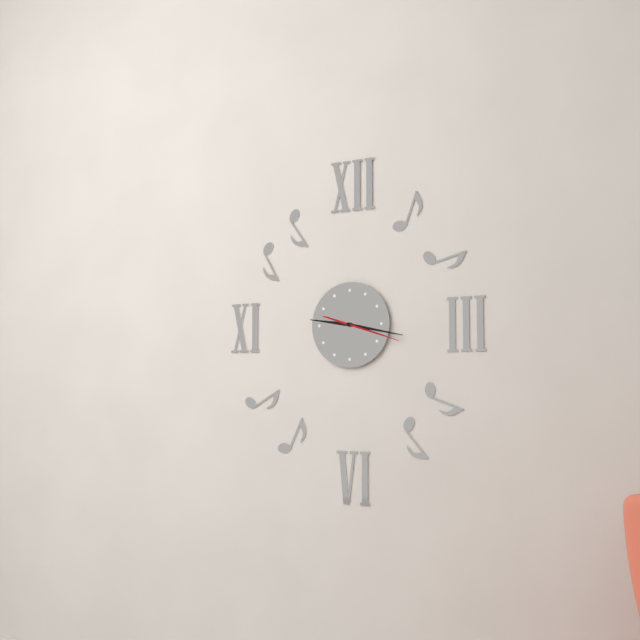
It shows 9,17,18
